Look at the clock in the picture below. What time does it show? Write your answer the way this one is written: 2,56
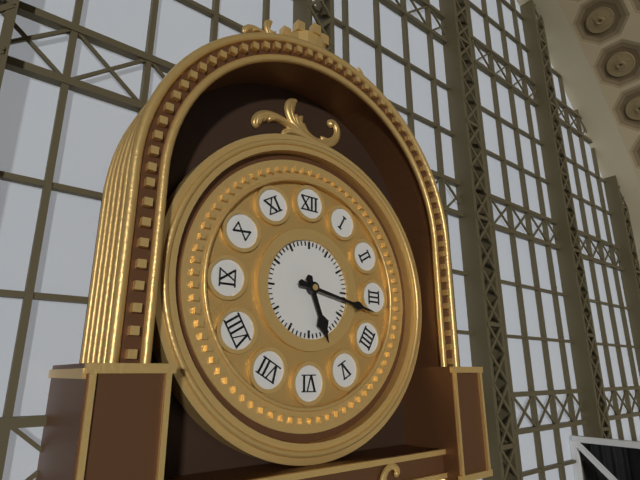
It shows 5,17
